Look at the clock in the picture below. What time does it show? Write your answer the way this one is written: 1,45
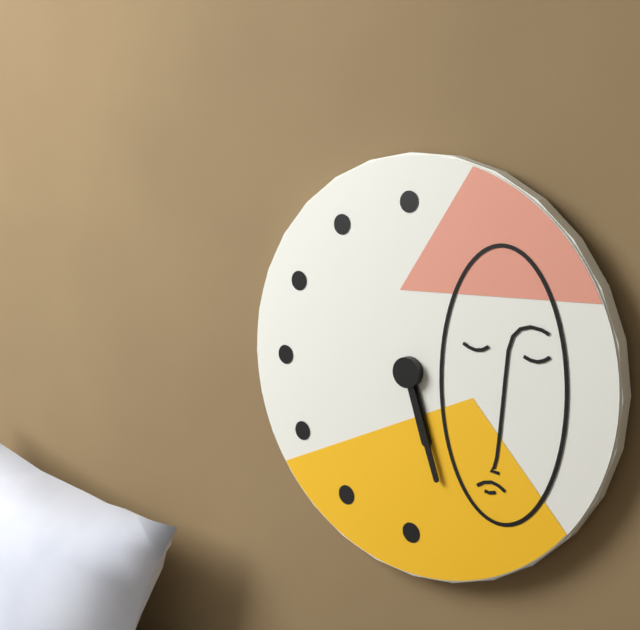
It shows 5,27
